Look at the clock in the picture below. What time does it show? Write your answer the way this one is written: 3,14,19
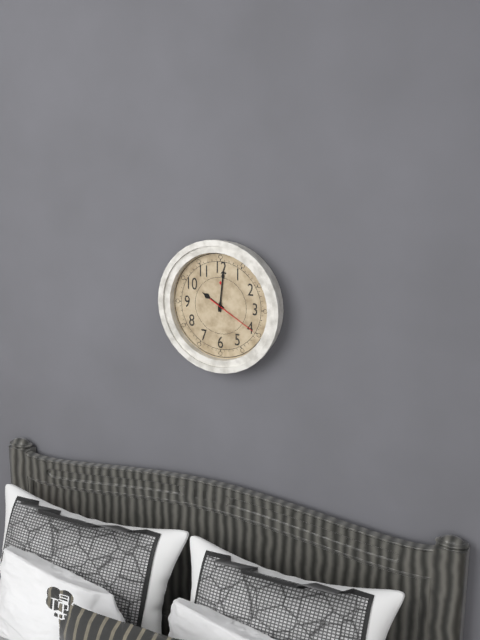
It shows 10,01,20
